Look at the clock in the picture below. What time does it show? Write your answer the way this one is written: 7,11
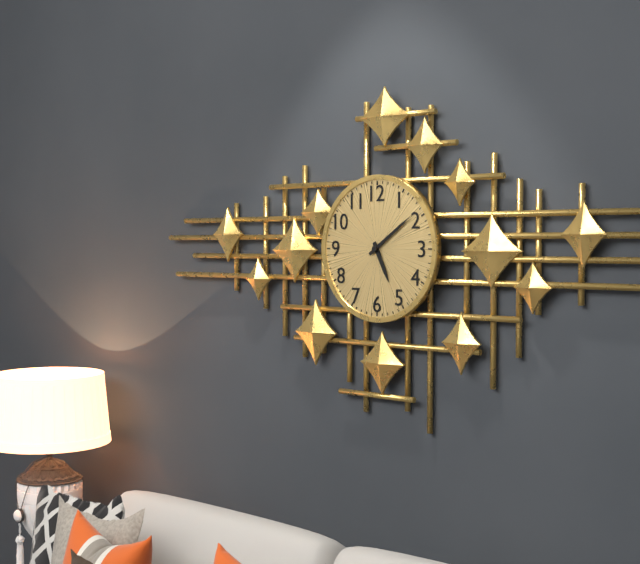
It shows 5,09
